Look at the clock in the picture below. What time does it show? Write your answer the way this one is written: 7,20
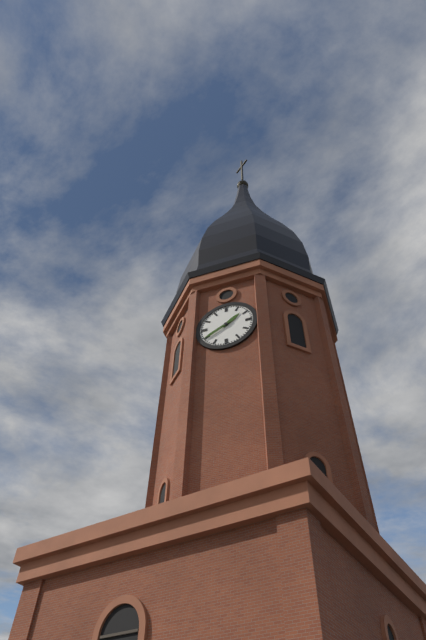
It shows 1,40
